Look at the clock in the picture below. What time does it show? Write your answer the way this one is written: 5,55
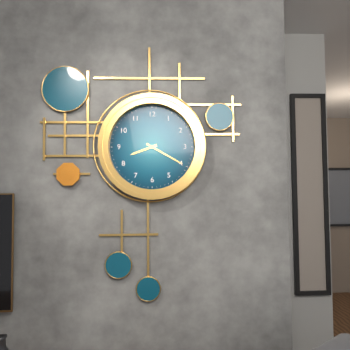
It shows 8,20
